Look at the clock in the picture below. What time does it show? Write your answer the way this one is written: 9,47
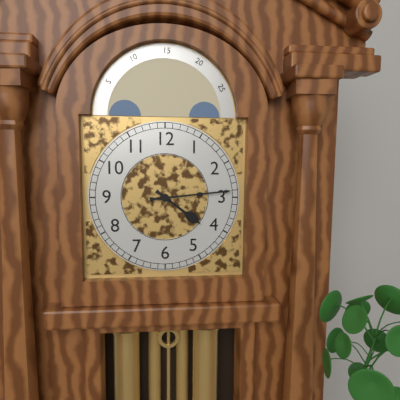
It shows 4,14
